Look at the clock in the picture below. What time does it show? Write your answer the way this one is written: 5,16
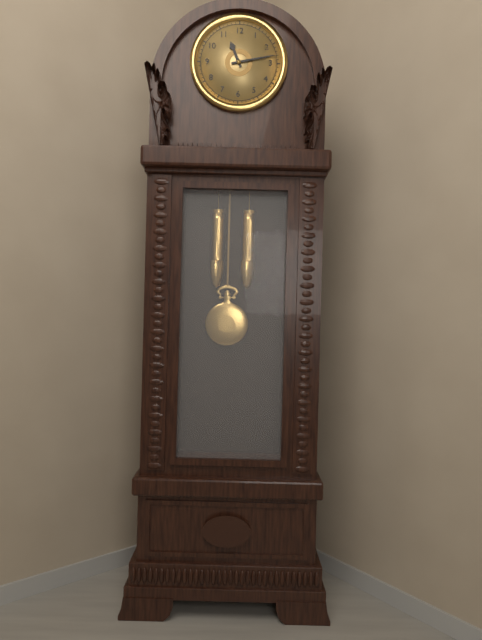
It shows 11,13
